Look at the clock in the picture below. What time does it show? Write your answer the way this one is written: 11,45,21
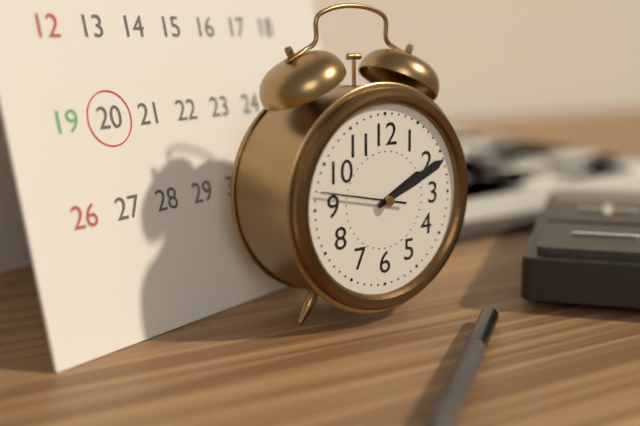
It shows 2,11,47
